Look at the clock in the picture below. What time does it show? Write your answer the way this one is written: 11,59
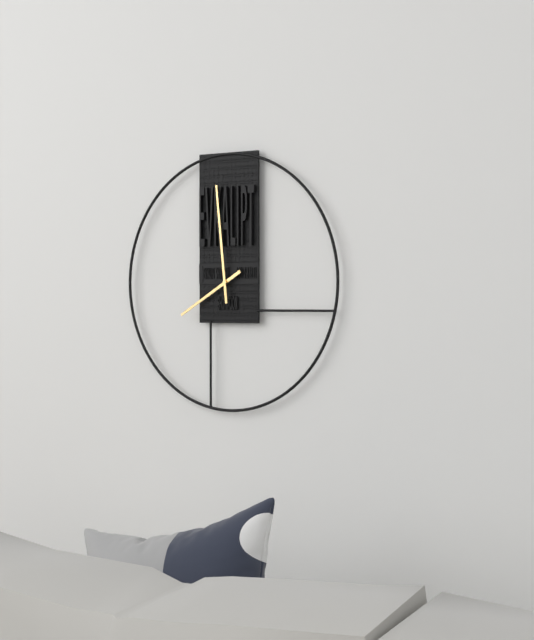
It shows 7,59
